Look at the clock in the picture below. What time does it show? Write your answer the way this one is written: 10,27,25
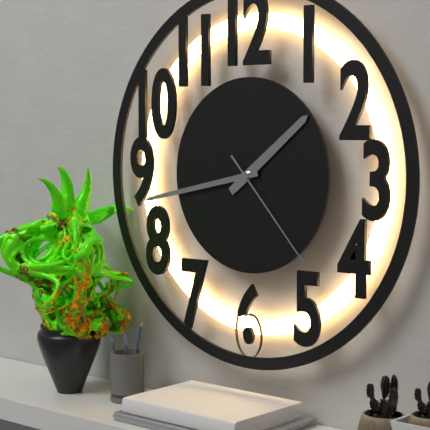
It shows 1,43,23
